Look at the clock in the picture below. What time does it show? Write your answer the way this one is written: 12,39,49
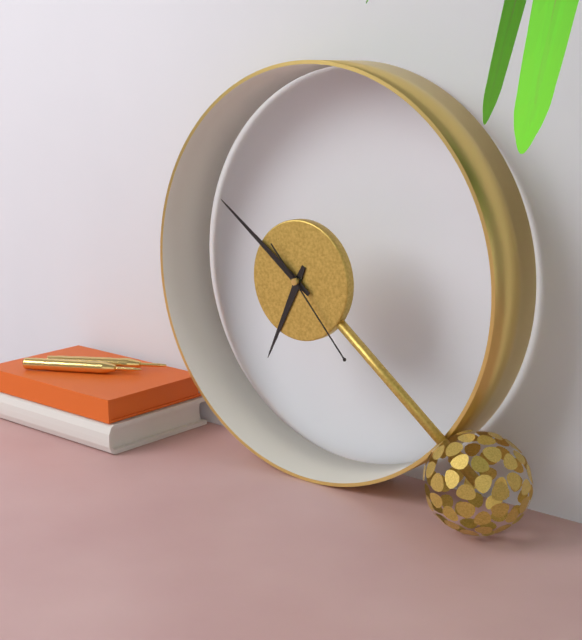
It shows 6,51,23
